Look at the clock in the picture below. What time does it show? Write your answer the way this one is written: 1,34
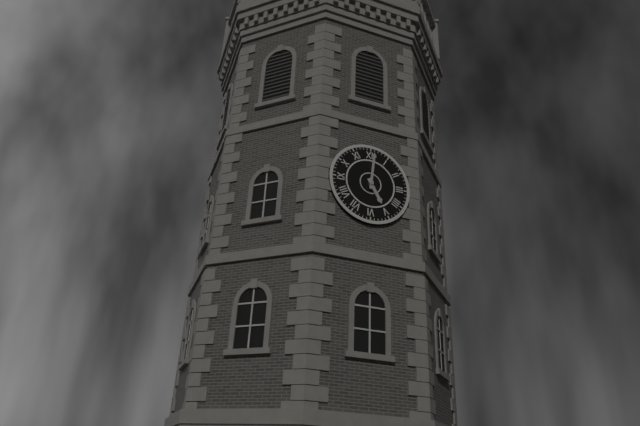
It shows 5,01
